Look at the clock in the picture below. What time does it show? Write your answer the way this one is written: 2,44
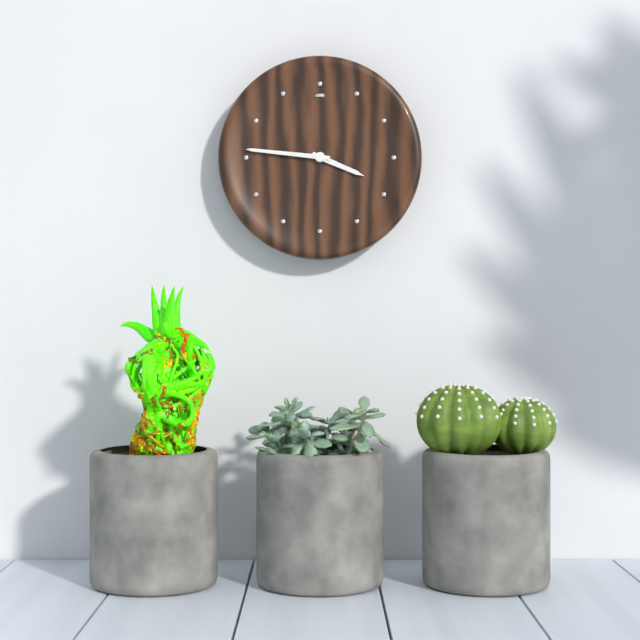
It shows 3,46
